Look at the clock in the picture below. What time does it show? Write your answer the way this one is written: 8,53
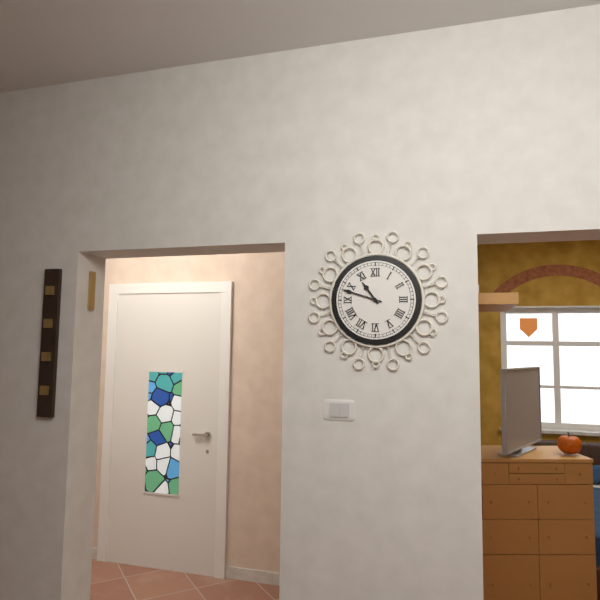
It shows 10,48
